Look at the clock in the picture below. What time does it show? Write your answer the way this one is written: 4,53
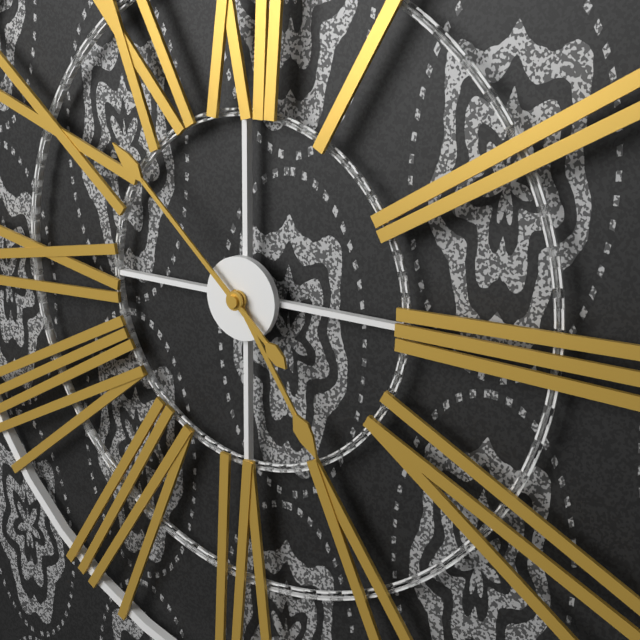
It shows 4,52
